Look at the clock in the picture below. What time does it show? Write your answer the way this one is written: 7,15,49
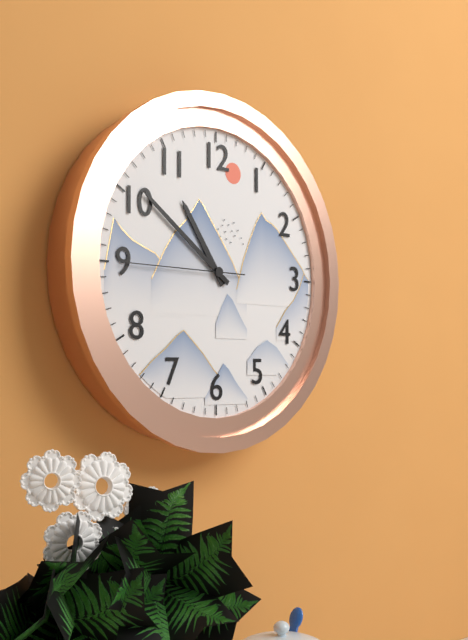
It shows 10,51,45
